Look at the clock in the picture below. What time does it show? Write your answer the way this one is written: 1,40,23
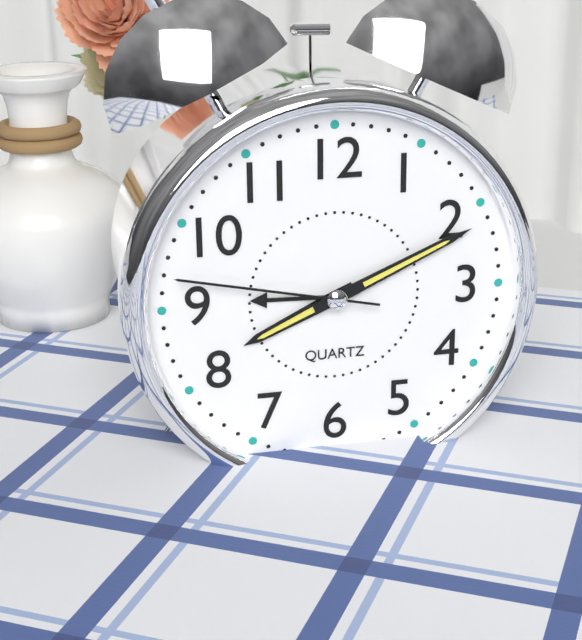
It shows 8,11,47
